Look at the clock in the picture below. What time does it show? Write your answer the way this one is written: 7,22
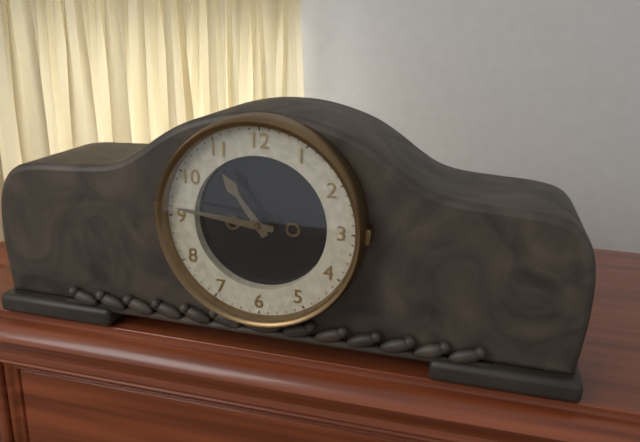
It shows 10,46
